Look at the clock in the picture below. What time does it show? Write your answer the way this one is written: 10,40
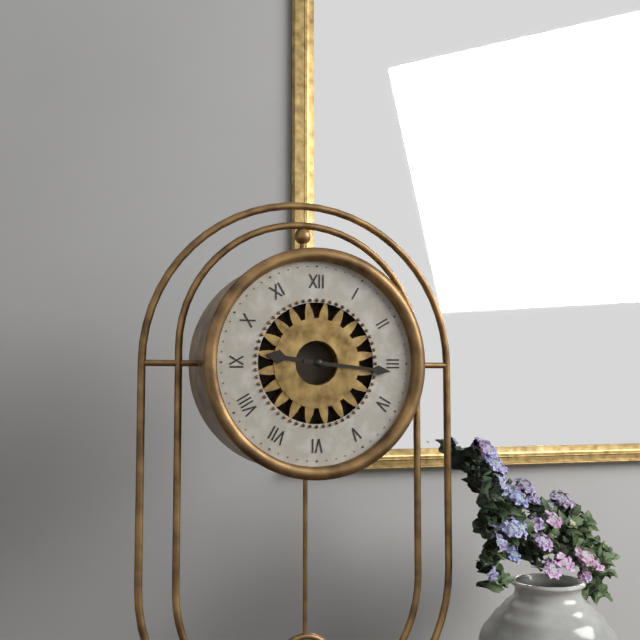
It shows 9,16
